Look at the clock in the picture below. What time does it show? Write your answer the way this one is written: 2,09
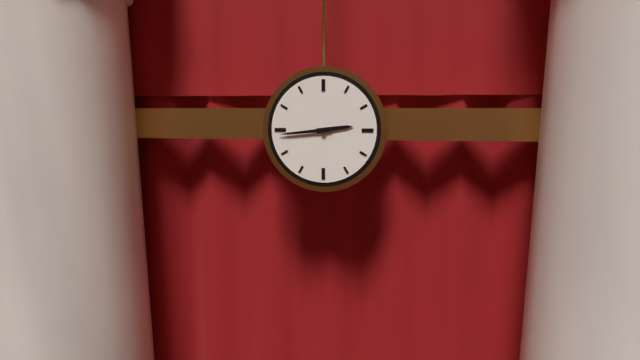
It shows 2,44
